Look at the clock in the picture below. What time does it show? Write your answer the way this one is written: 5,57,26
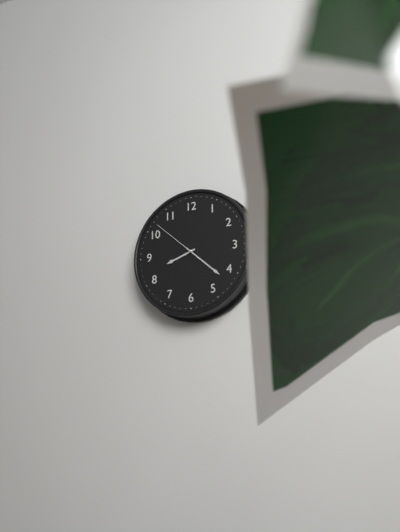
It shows 8,22,52
